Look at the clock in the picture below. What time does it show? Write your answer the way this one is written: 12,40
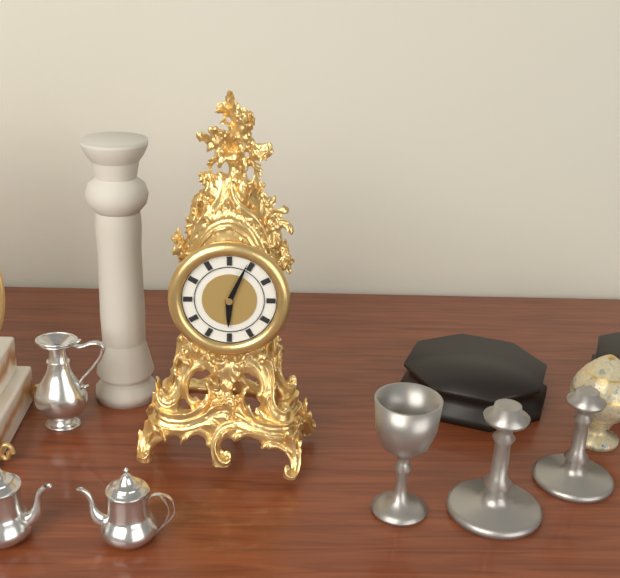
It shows 6,04
